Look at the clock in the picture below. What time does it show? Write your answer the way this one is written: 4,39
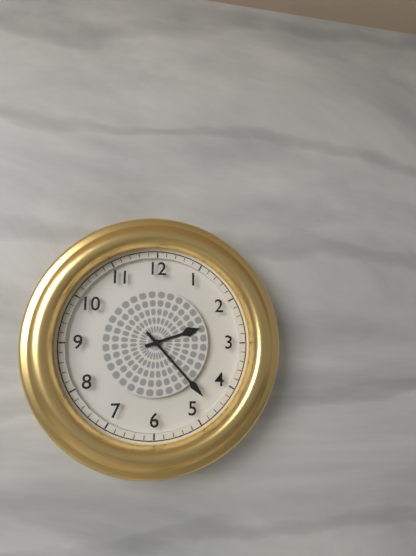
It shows 2,23
